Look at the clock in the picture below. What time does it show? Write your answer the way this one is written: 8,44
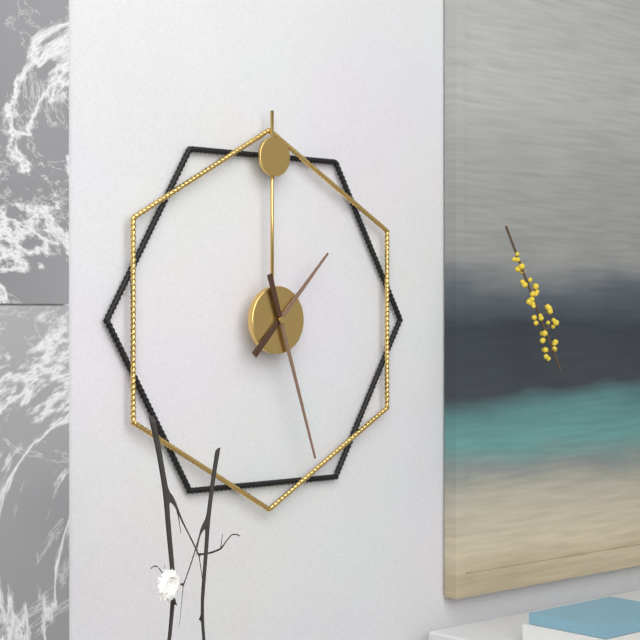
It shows 1,27
